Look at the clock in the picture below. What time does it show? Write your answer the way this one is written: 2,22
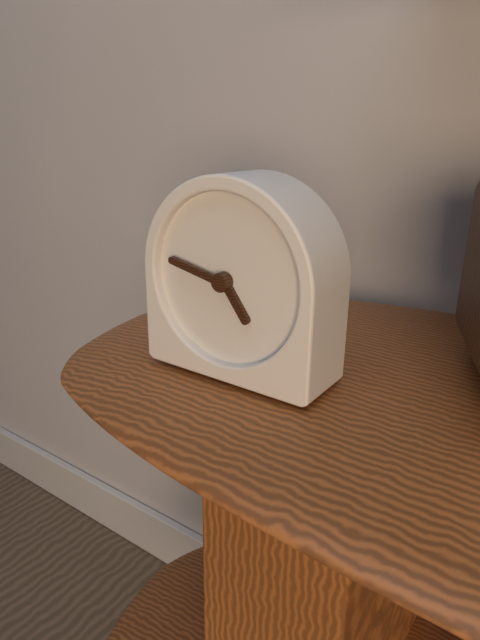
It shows 4,47
